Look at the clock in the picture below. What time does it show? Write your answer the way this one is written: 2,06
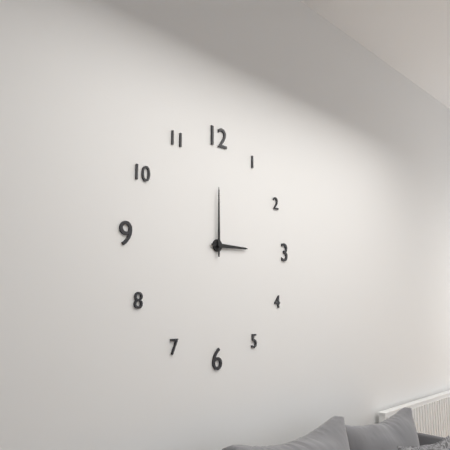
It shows 3,00
